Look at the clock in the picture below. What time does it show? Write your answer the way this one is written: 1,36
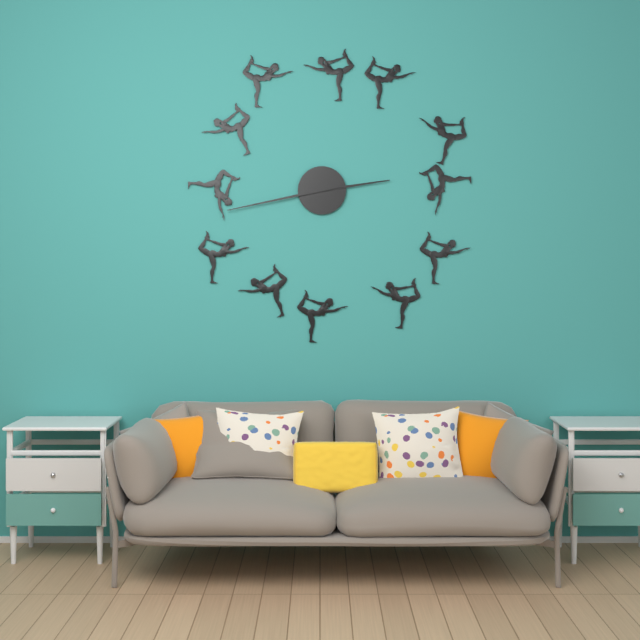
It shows 2,43
